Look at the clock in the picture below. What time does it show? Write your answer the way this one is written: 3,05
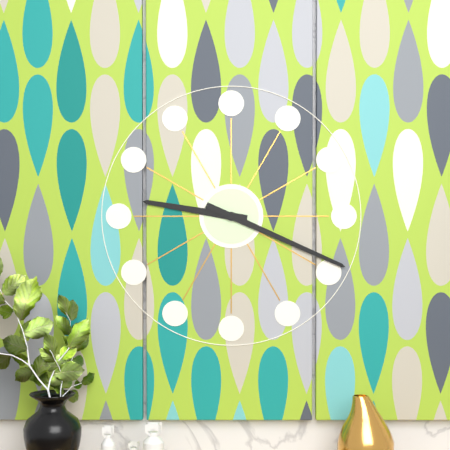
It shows 9,19
